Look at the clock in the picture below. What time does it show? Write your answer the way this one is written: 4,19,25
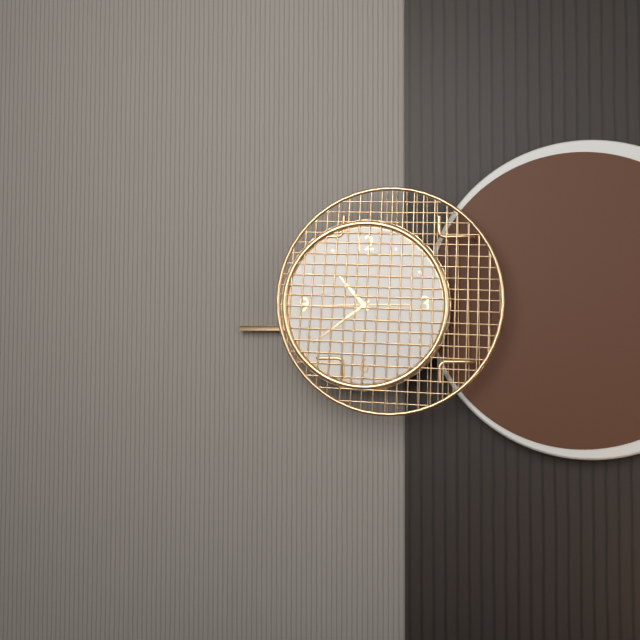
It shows 10,39,45
